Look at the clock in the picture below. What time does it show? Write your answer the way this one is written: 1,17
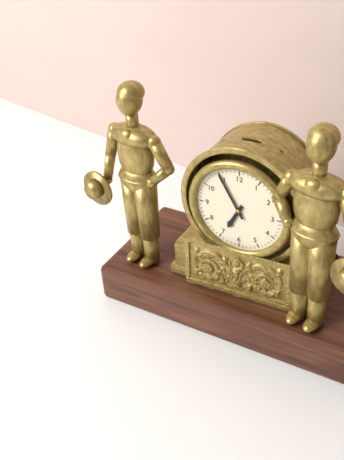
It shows 6,55
